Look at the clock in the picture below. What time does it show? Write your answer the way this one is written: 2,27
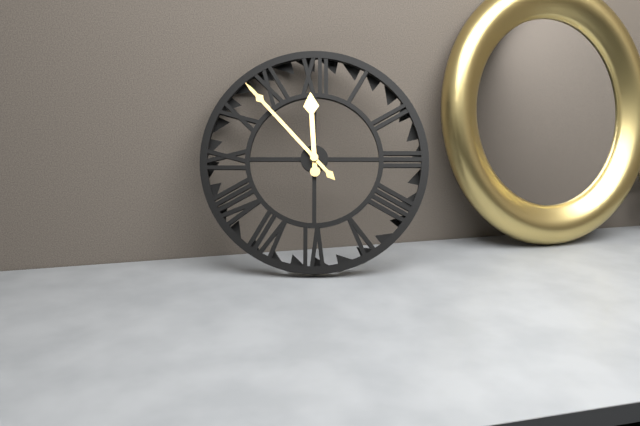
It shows 11,53
